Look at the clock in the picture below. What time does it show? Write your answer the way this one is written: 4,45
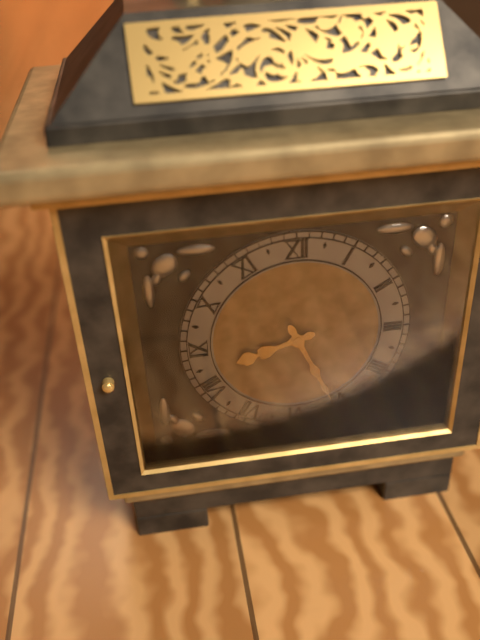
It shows 8,26
